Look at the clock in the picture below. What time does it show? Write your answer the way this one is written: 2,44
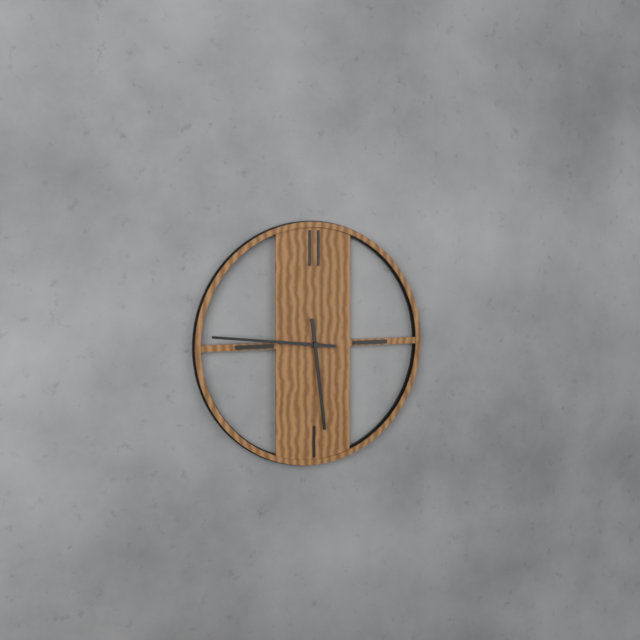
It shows 5,46
